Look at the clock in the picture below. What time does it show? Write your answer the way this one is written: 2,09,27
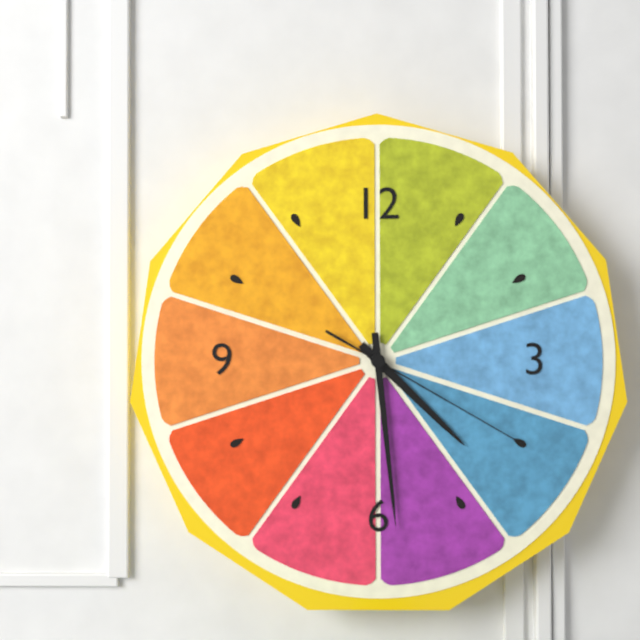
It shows 4,29,20
